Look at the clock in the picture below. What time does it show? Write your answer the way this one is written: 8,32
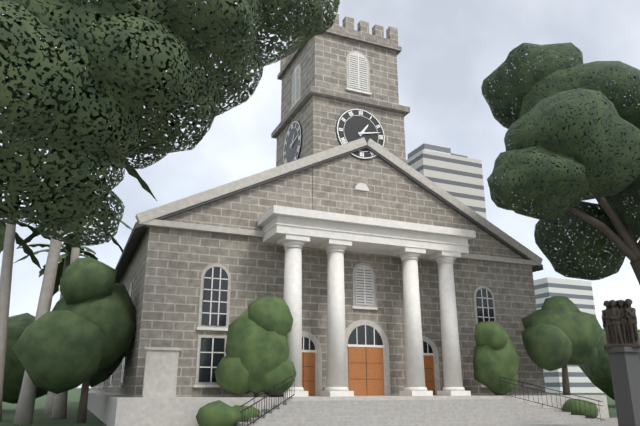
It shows 1,13
